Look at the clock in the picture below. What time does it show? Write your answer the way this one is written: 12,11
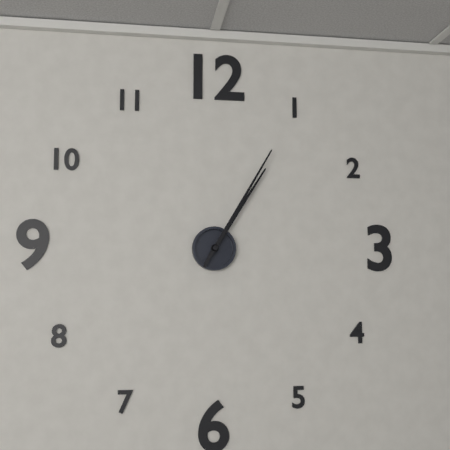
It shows 1,05
